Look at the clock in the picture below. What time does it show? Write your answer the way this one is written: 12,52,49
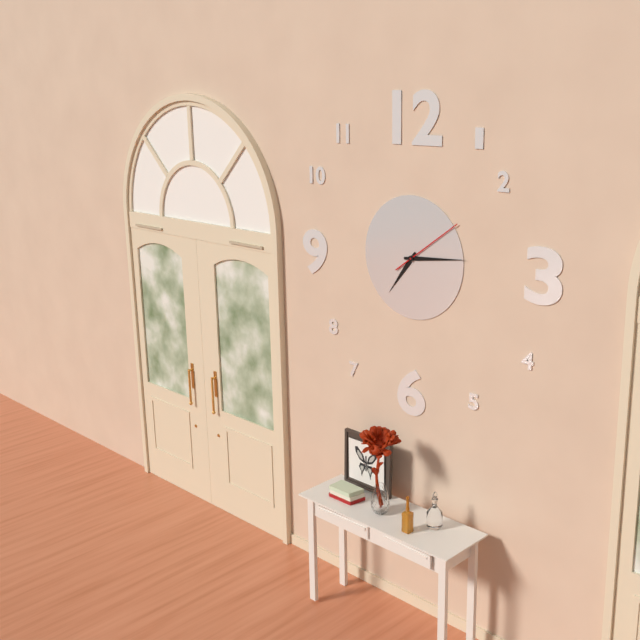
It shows 7,14,09
